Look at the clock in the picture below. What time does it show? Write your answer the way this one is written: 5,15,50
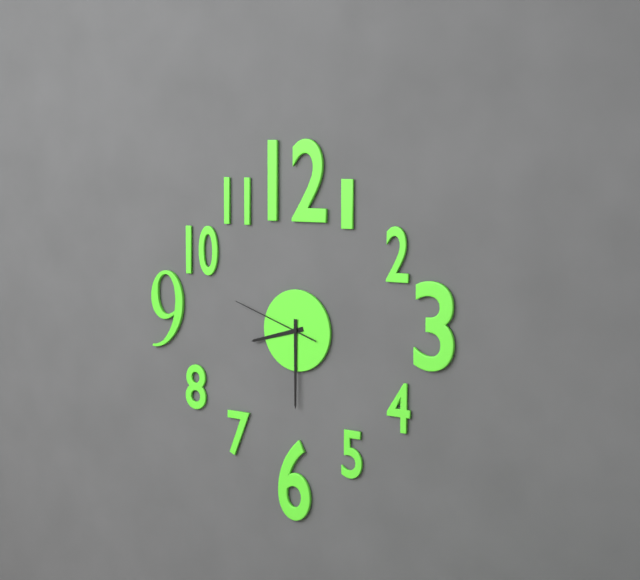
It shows 8,30,48
